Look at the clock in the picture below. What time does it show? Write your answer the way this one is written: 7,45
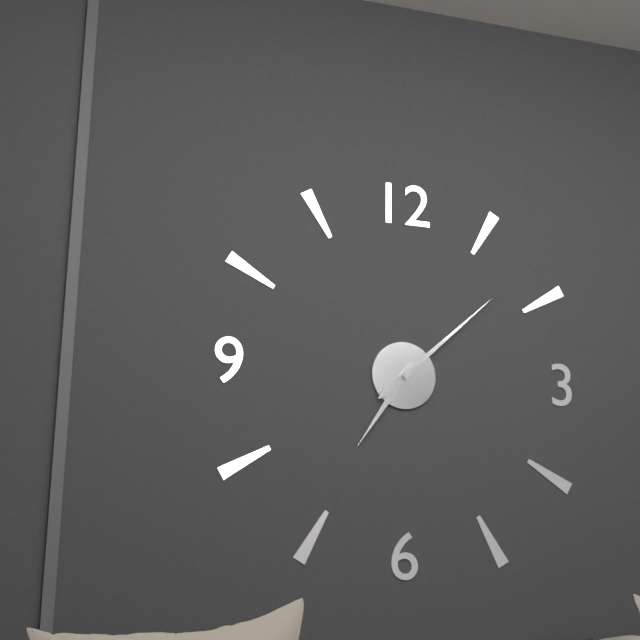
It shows 7,08
